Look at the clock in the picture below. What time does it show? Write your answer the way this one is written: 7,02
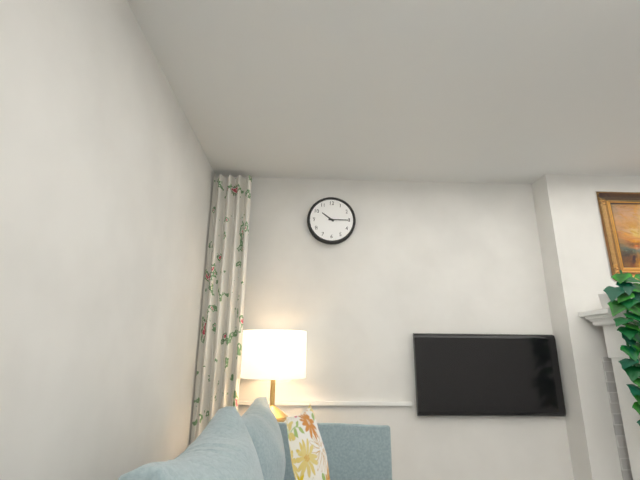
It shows 10,15
